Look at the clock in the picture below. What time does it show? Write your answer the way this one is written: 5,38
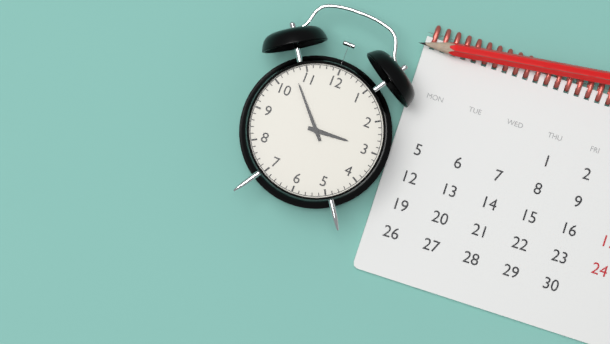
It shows 2,53
